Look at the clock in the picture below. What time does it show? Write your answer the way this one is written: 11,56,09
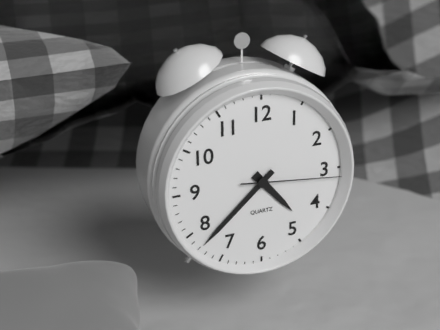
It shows 4,38,16
